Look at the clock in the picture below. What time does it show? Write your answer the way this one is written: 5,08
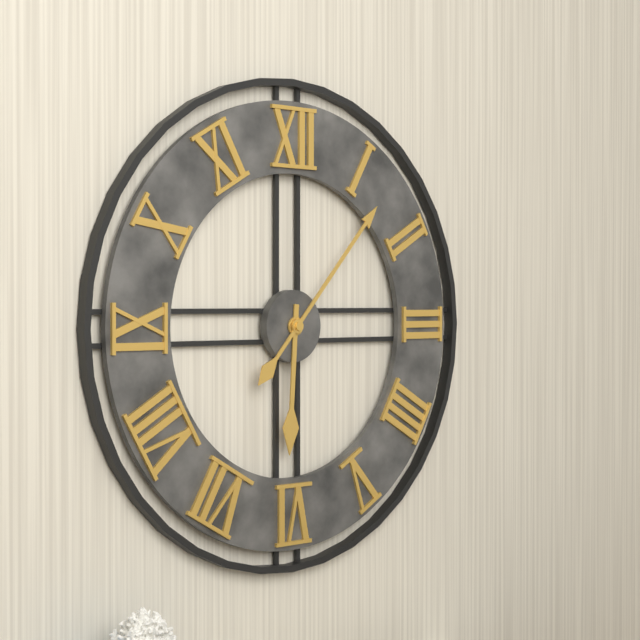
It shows 6,07
